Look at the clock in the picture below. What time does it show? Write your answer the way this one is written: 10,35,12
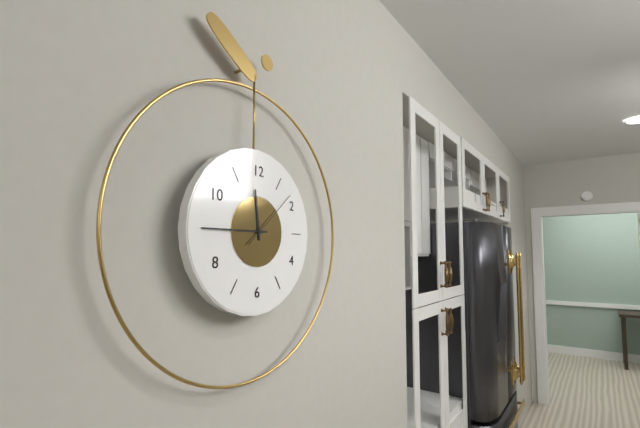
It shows 11,45,08
